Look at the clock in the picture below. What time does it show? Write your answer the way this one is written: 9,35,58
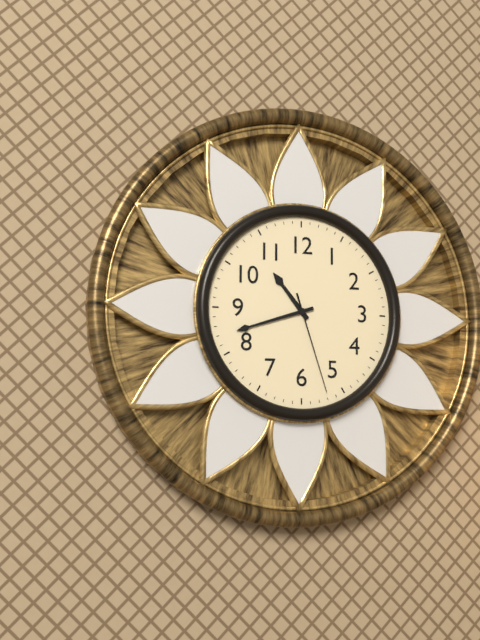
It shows 10,42,27
